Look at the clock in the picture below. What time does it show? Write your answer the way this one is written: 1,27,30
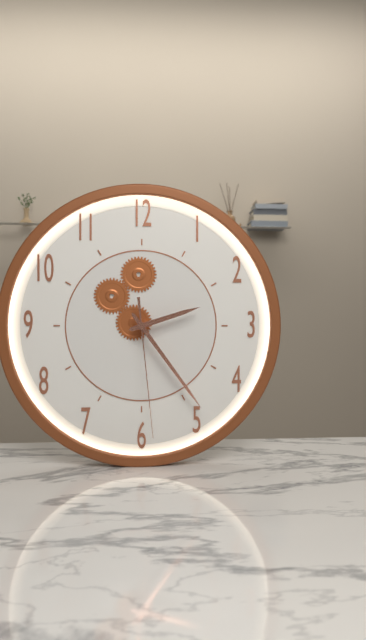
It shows 2,24,29
